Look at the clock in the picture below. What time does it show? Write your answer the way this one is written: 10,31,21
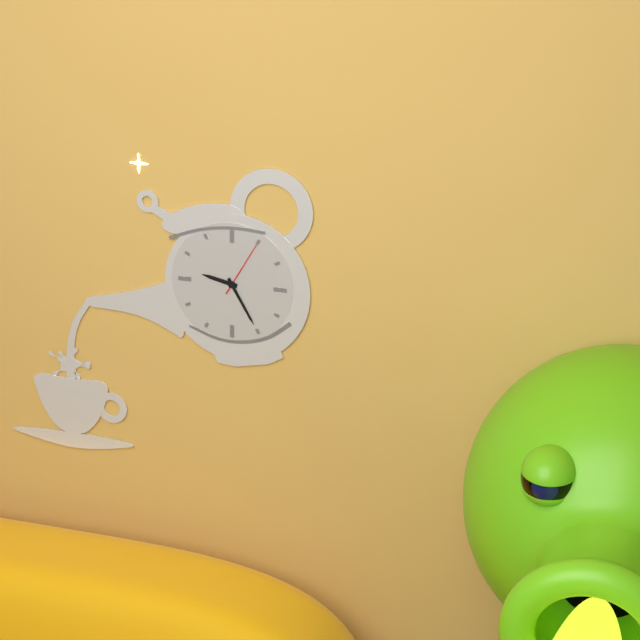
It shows 9,25,05
